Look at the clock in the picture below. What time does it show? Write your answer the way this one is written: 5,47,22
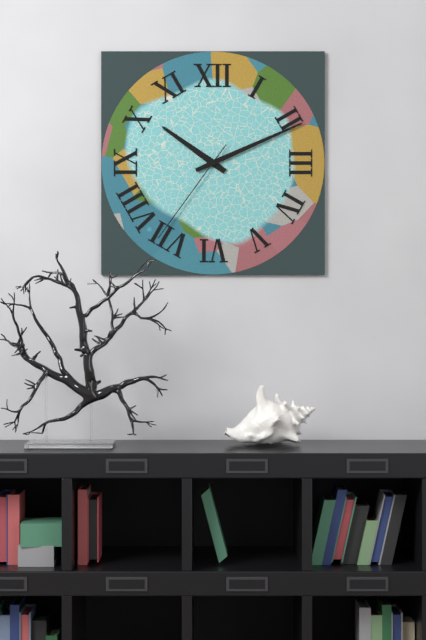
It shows 10,11,36
